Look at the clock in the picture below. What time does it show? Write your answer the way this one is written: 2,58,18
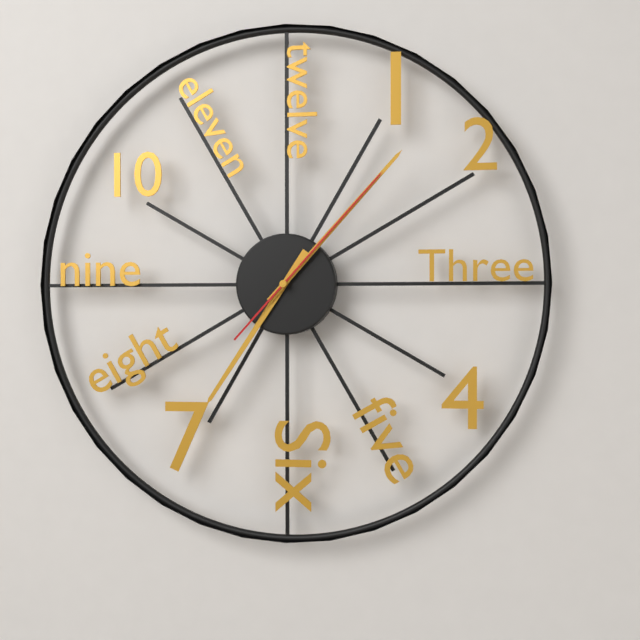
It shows 7,07,07
